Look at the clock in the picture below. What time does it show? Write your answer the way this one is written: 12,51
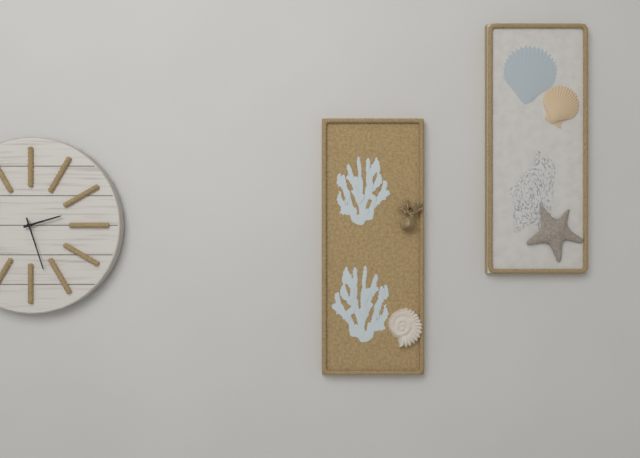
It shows 2,27
